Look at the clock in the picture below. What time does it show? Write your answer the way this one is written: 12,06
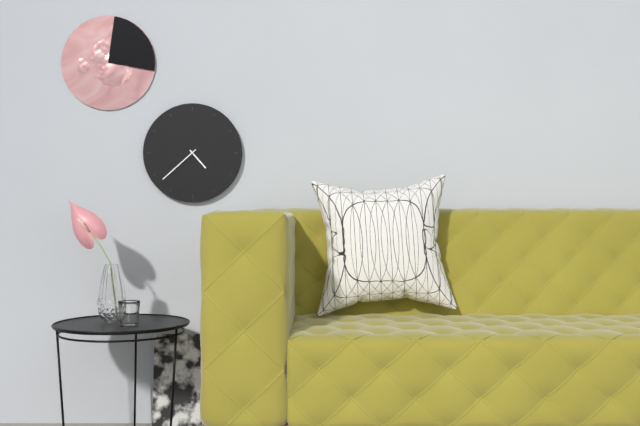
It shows 4,38
